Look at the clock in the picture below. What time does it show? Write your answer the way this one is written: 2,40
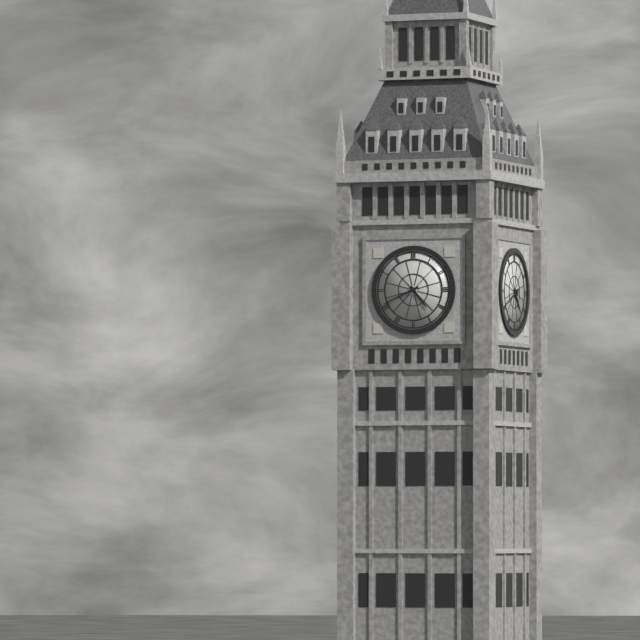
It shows 4,41
